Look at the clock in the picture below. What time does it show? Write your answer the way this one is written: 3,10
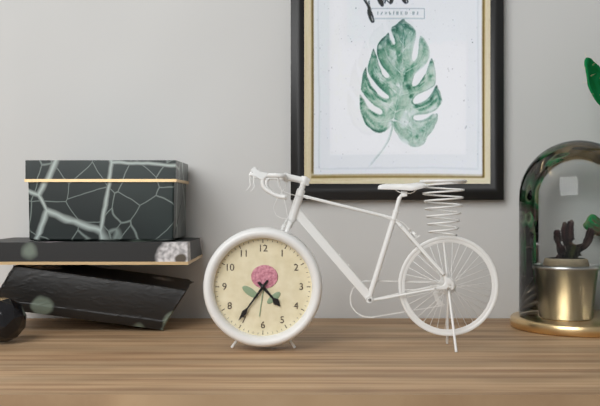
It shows 4,36
